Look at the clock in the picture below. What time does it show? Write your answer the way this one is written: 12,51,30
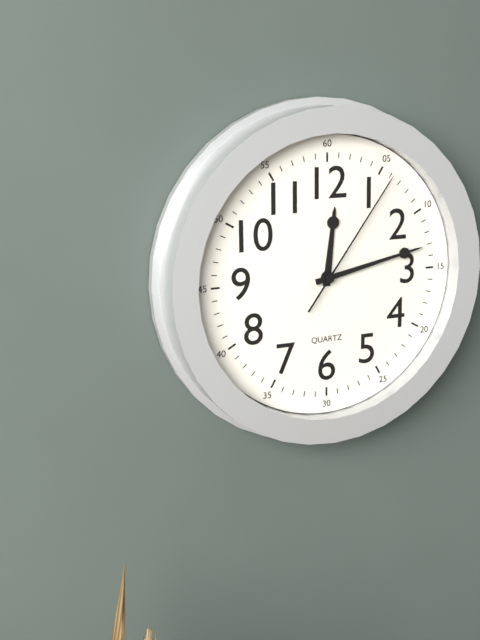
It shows 12,13,06
